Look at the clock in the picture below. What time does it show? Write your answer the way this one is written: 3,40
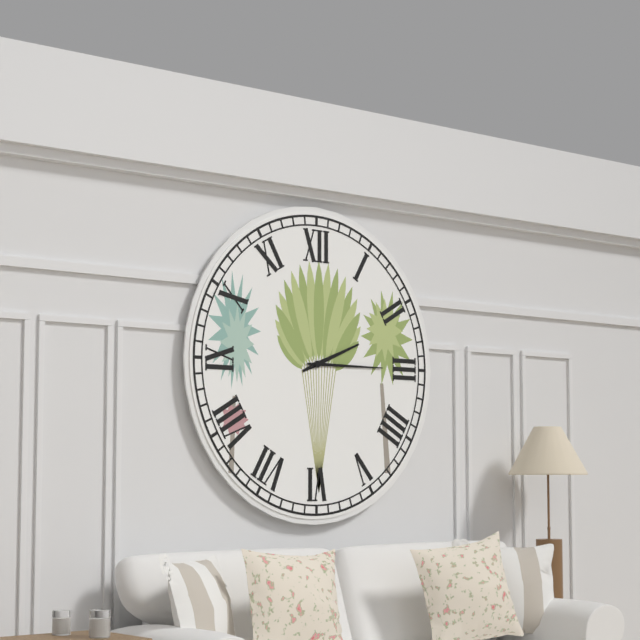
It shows 2,15
